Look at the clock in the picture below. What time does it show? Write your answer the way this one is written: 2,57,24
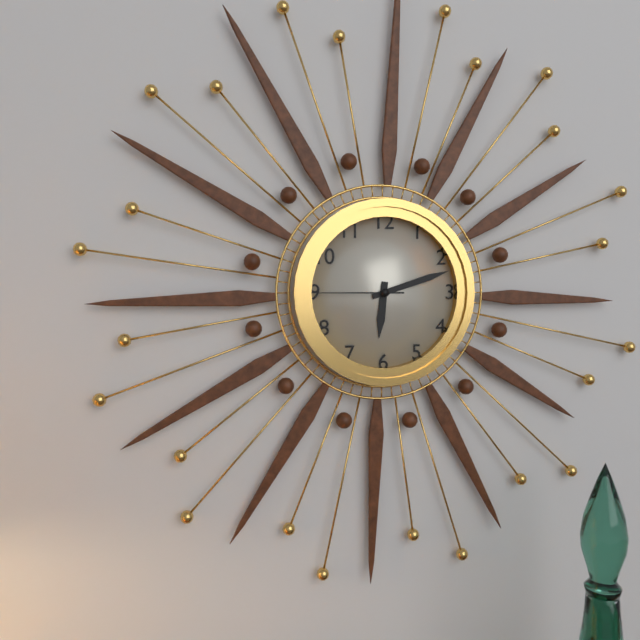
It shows 6,12,45
